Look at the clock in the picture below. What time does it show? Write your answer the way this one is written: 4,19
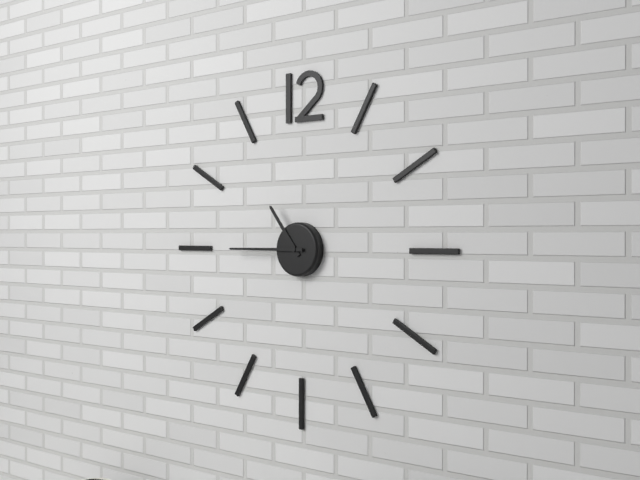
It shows 10,45
